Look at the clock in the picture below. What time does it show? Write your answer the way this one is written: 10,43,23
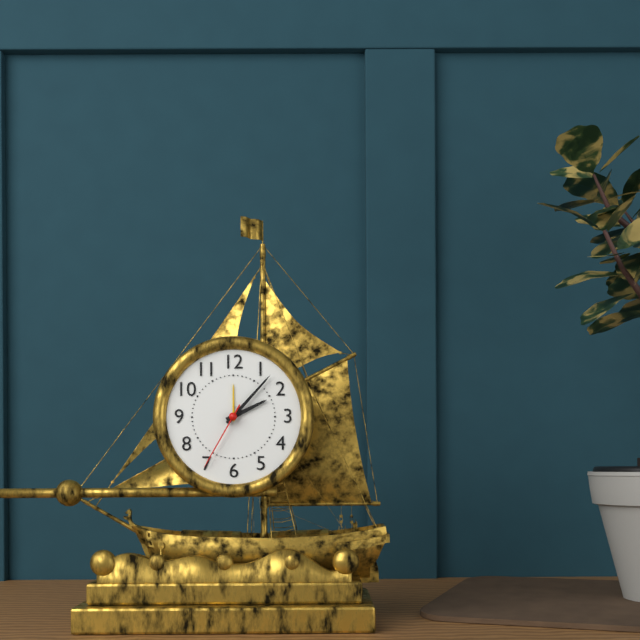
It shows 2,07,35
